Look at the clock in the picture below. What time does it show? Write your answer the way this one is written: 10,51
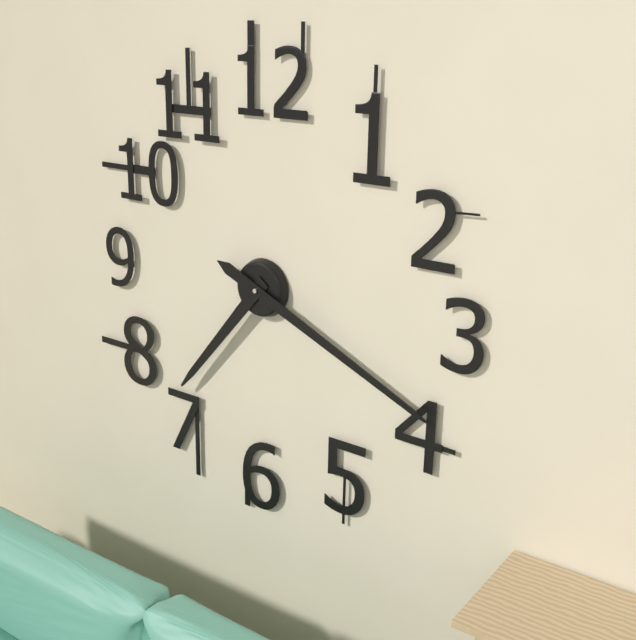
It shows 7,19
